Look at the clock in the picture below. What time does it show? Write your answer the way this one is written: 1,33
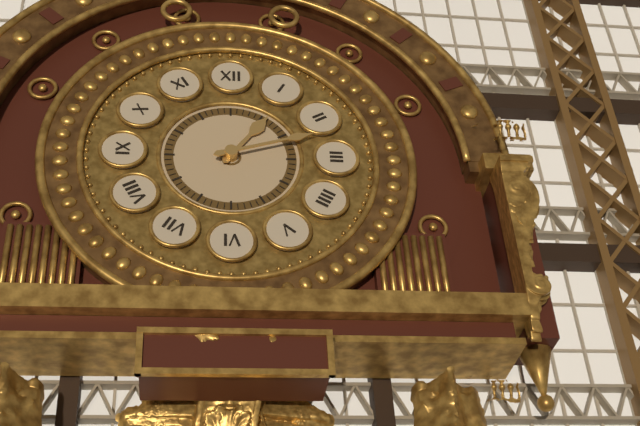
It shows 1,12
